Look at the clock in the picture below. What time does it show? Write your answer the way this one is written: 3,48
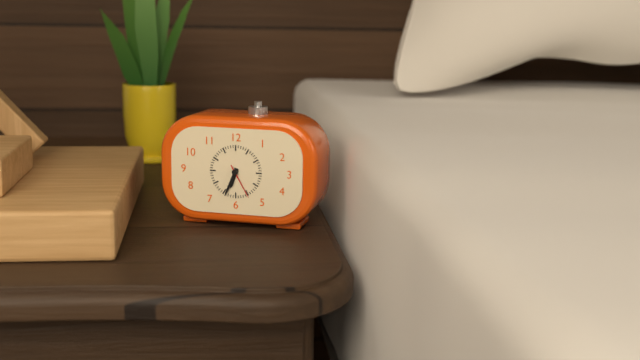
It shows 6,34
